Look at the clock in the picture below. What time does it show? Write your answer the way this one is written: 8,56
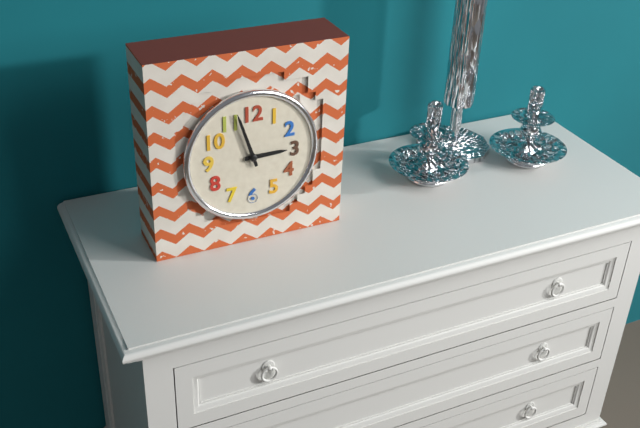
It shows 2,57
